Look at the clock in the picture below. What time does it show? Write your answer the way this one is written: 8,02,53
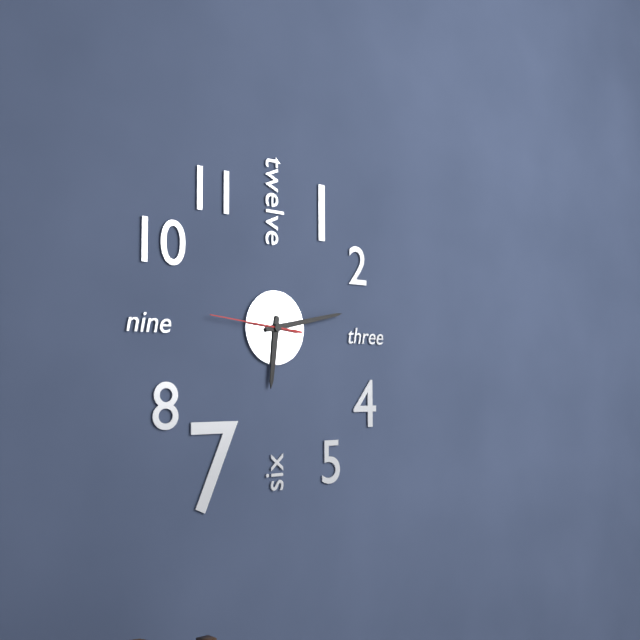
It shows 6,13,46
